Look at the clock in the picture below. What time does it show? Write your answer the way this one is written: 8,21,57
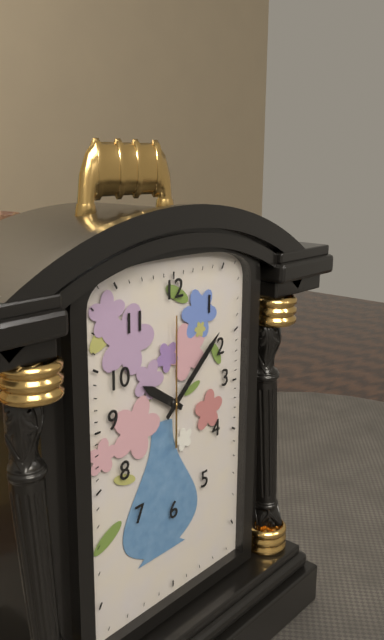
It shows 10,08,00
